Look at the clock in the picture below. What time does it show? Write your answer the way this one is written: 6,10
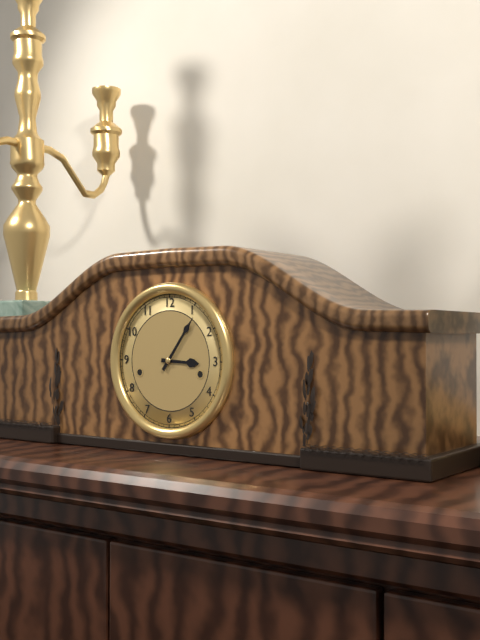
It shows 3,06
